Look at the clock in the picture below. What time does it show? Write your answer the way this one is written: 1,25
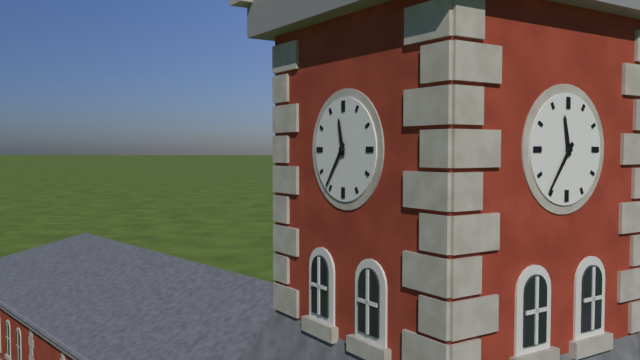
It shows 11,36
